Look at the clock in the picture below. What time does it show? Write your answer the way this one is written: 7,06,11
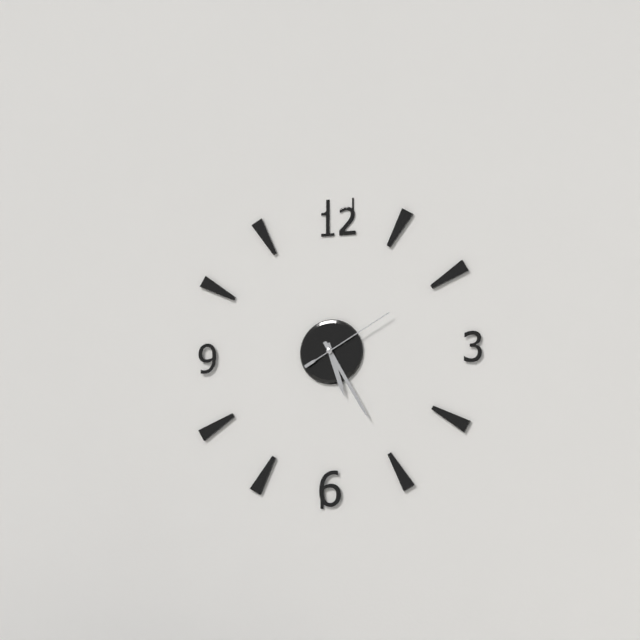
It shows 5,25,10
